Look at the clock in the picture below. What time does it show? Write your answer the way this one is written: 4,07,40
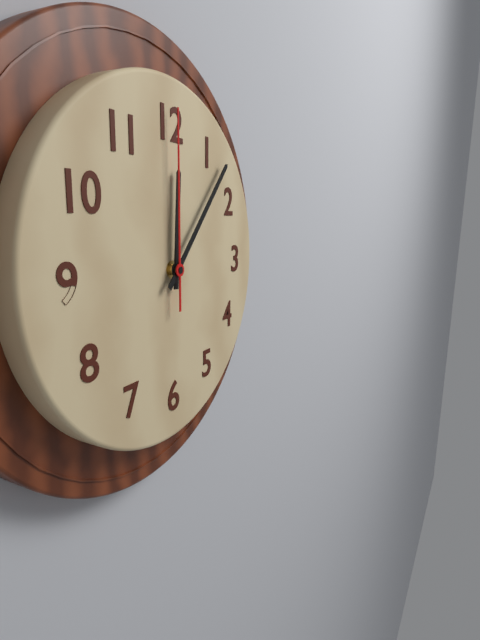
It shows 12,07,00
